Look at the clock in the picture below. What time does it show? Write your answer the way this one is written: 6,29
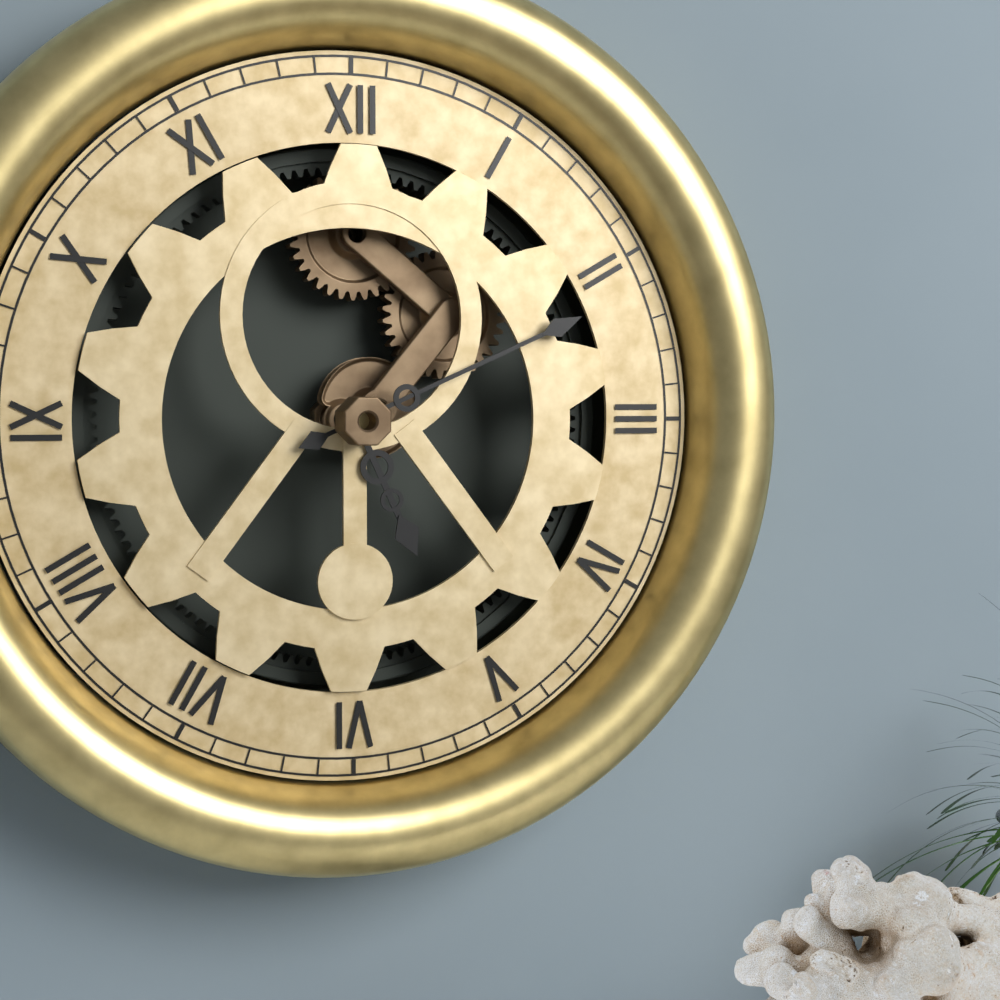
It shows 5,11
